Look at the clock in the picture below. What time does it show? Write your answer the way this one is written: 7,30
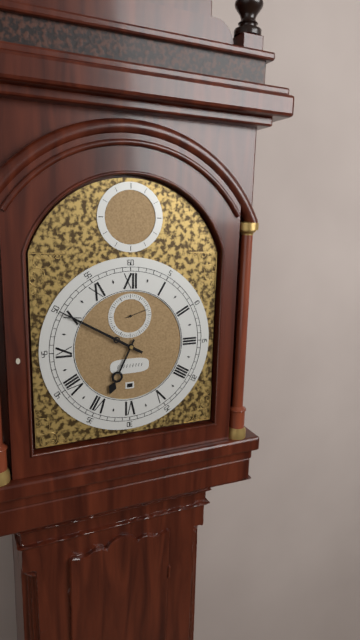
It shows 6,50
